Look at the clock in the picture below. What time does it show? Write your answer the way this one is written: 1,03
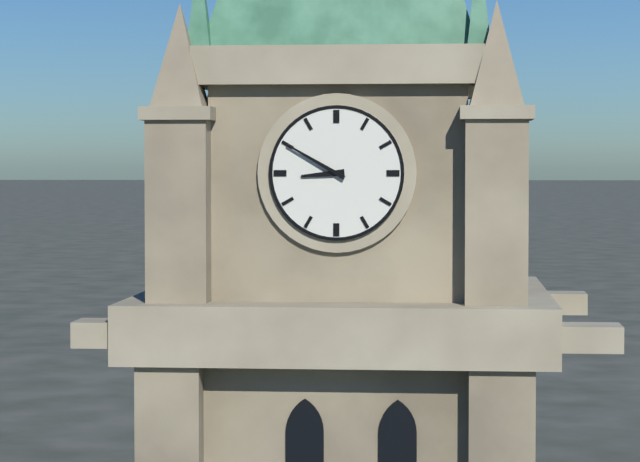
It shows 8,50
